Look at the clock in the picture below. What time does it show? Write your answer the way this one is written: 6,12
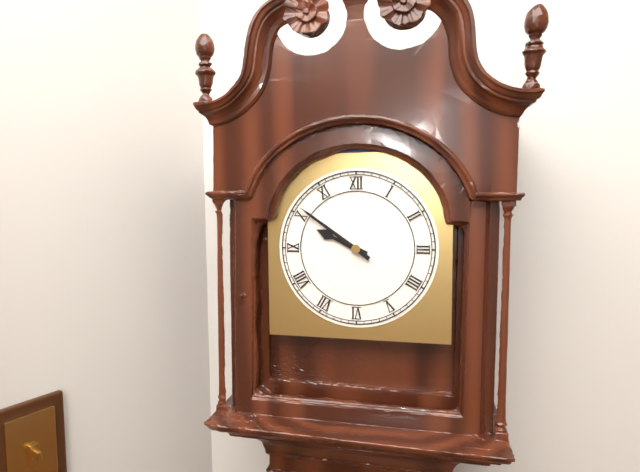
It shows 9,51
